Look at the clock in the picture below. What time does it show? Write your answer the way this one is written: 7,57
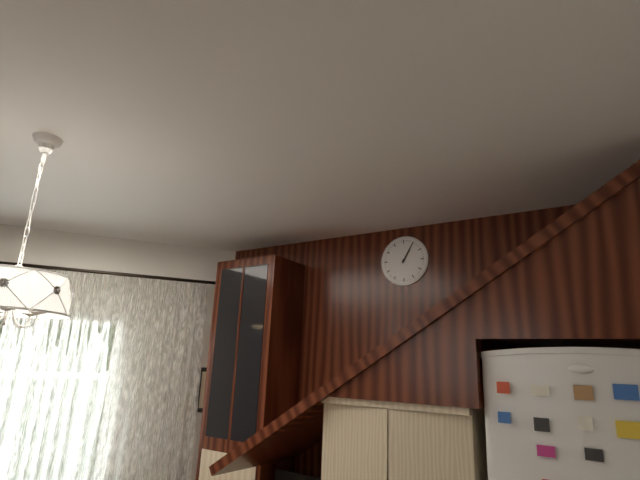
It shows 1,05
